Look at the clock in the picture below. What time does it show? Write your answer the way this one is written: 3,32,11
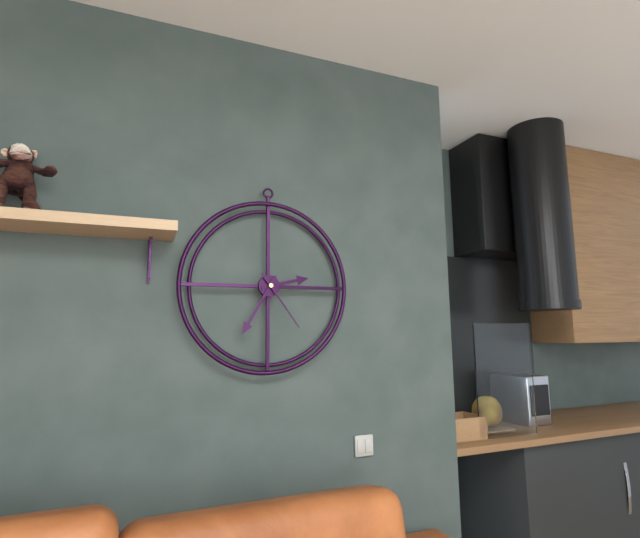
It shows 2,35,24
